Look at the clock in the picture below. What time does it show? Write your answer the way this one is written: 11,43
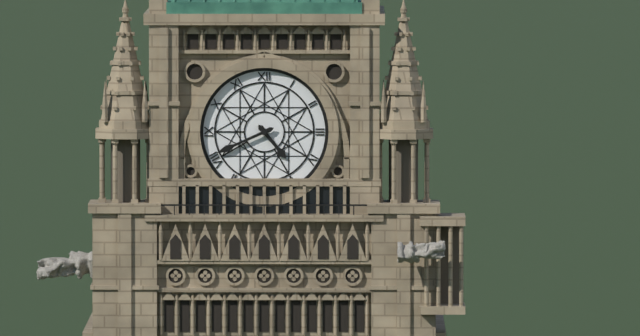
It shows 4,41
